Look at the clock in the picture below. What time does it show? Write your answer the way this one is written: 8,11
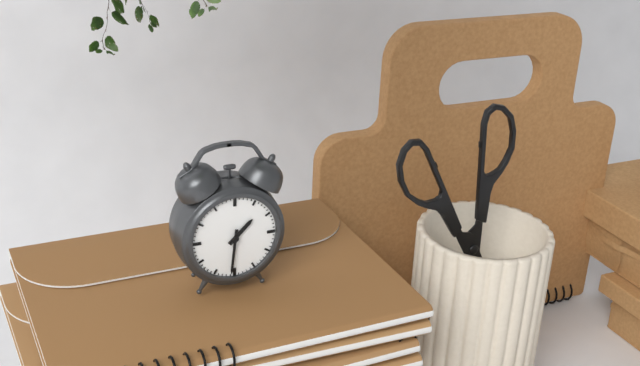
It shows 1,31
